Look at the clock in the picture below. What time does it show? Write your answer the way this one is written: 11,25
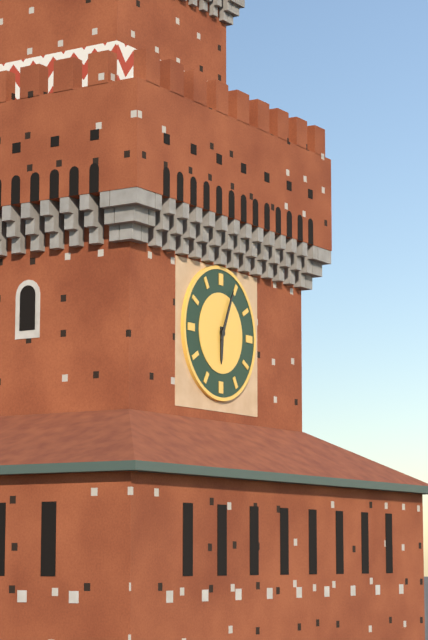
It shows 6,04
